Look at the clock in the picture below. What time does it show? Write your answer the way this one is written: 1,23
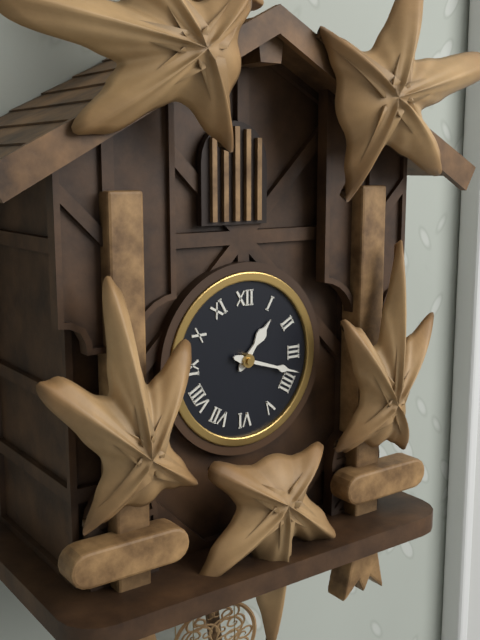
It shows 1,18
